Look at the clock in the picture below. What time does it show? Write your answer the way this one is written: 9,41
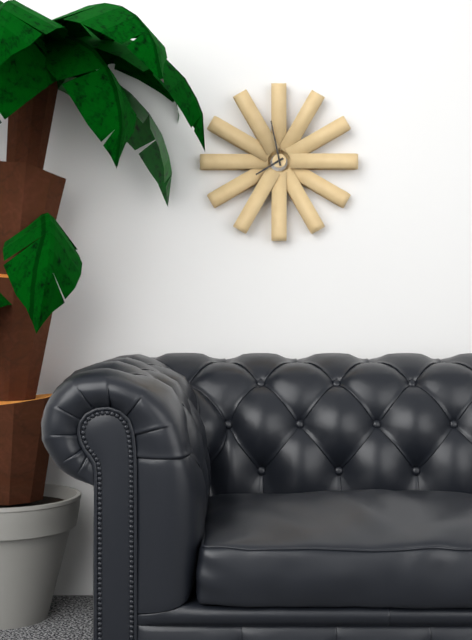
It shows 7,58
